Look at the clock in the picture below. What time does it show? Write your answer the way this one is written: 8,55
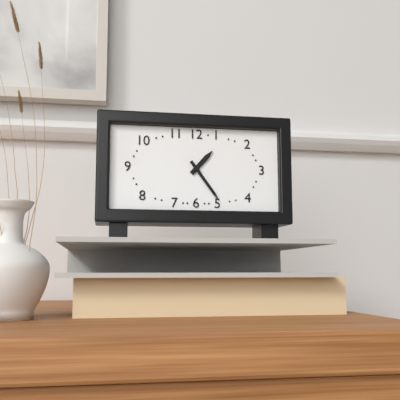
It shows 1,24
